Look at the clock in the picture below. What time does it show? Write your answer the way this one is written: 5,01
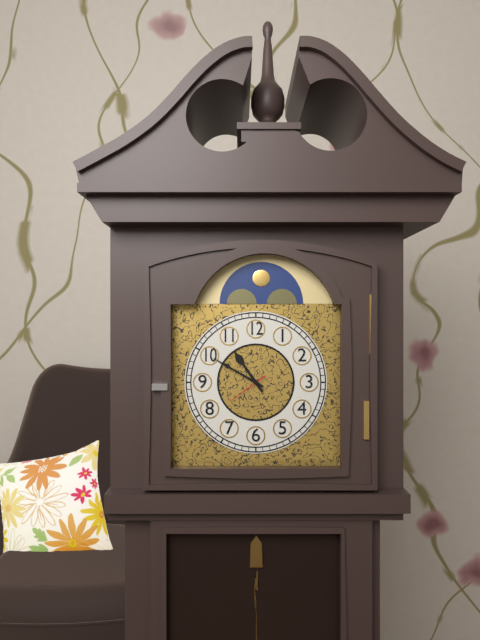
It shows 10,50
